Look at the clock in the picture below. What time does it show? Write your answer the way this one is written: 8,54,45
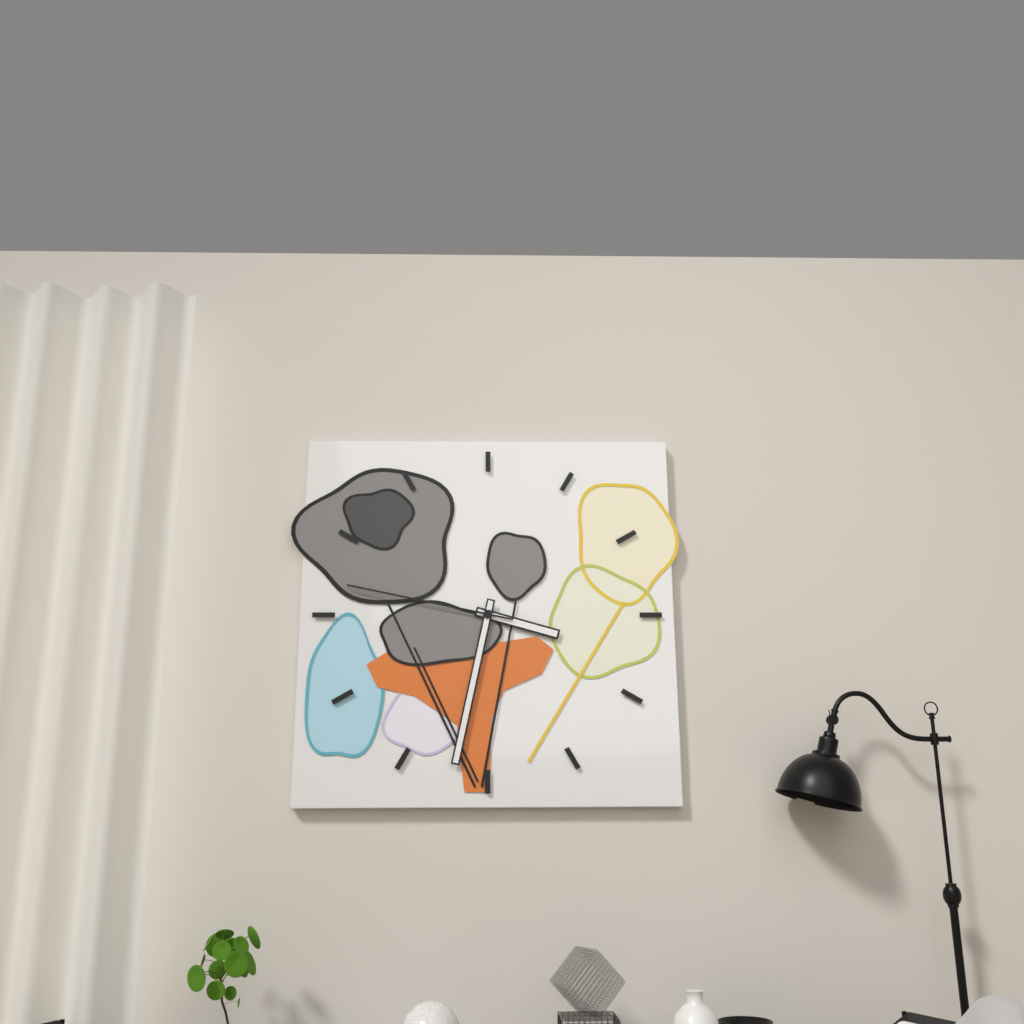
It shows 3,32,47
